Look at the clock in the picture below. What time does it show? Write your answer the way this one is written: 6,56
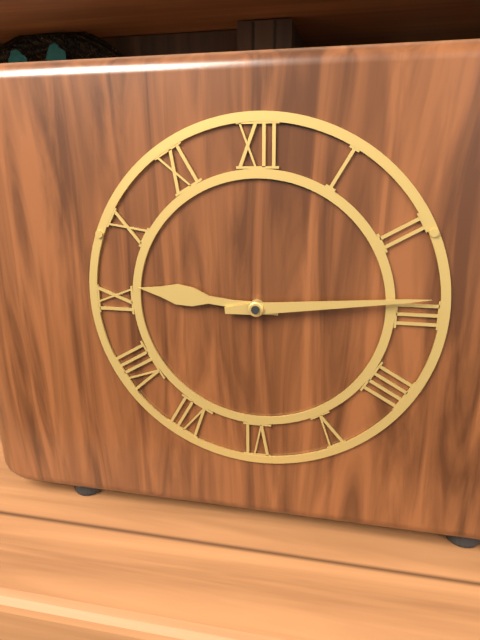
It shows 9,14
